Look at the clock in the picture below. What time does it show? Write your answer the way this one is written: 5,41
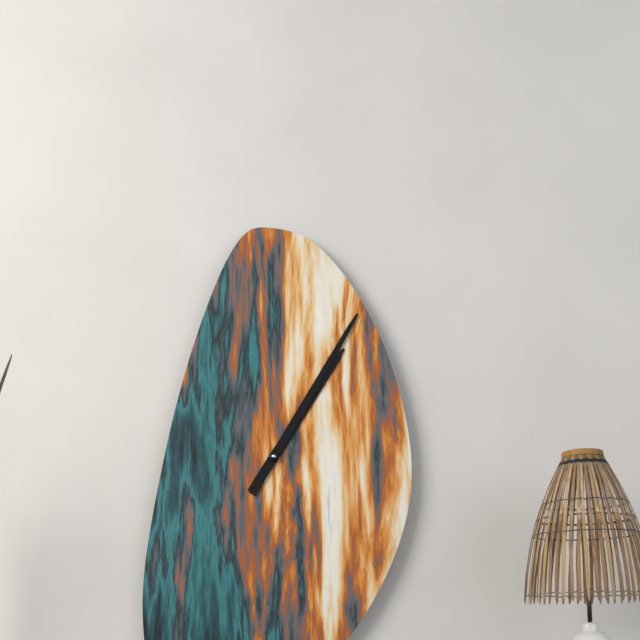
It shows 1,05
